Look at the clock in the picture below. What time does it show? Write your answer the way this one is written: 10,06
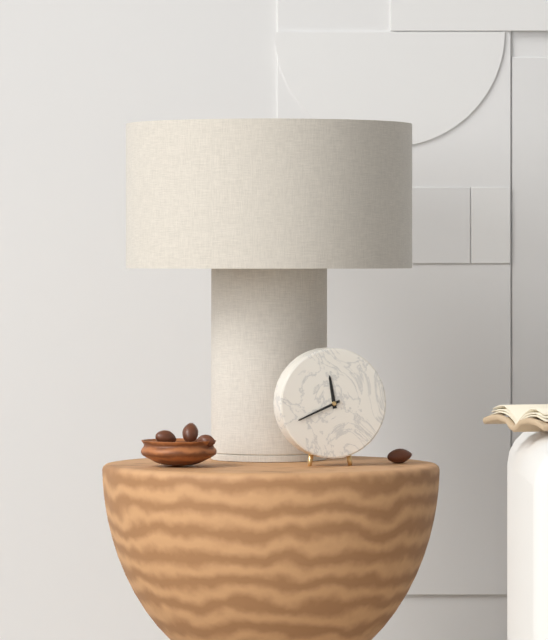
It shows 11,41
